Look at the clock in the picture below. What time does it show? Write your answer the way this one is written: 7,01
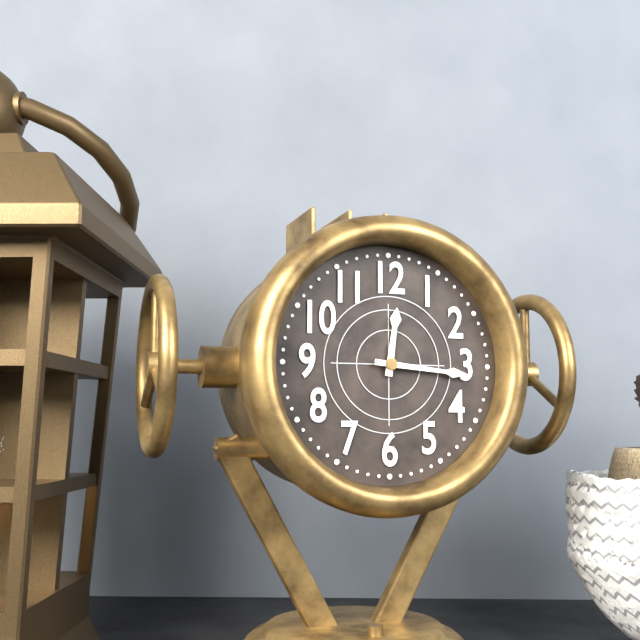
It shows 12,16
